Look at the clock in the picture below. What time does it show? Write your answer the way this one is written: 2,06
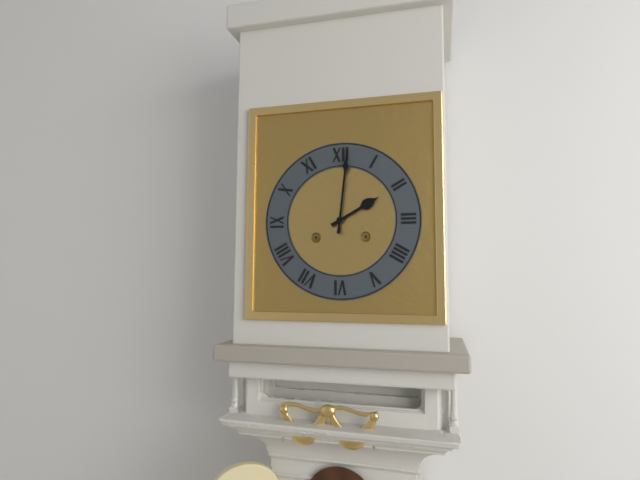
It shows 2,01
